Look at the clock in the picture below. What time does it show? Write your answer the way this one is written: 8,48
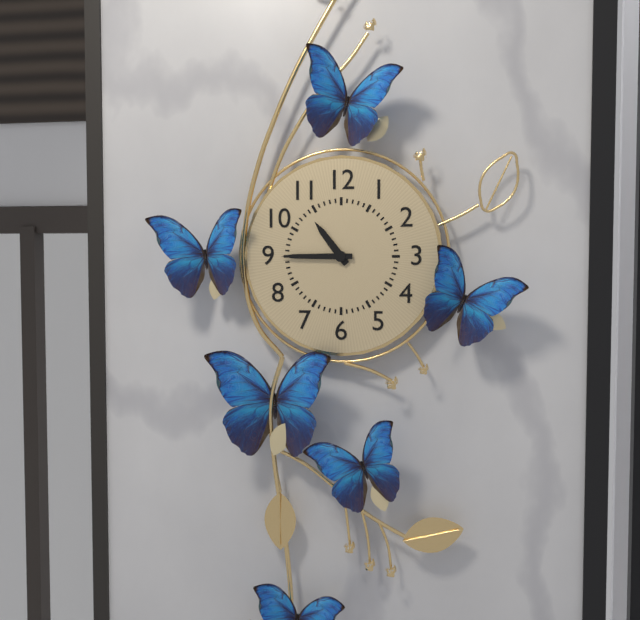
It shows 10,45
